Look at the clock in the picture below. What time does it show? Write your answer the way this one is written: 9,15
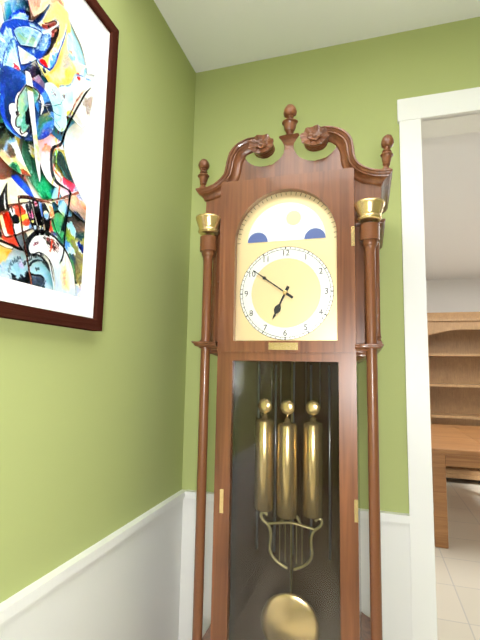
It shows 6,51
